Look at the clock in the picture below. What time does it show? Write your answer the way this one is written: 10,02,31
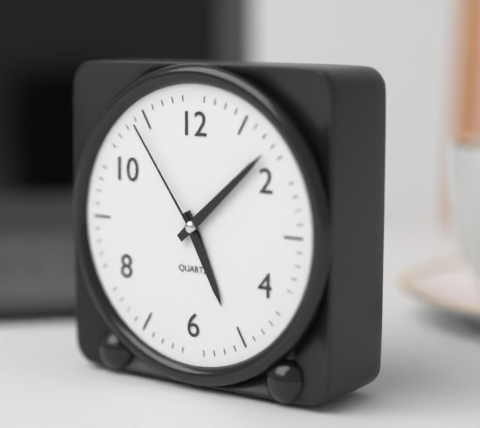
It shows 5,08,54
